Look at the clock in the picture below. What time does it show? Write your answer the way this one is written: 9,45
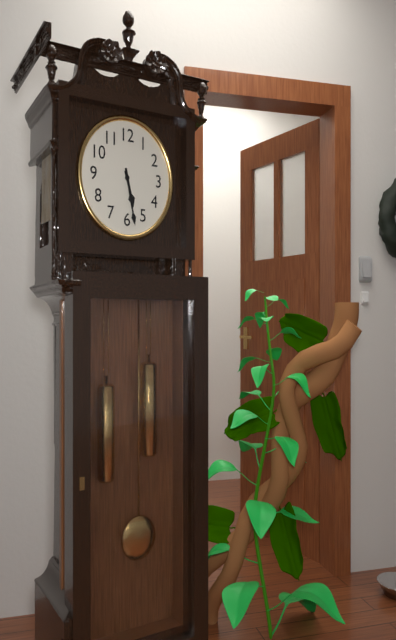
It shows 5,28
